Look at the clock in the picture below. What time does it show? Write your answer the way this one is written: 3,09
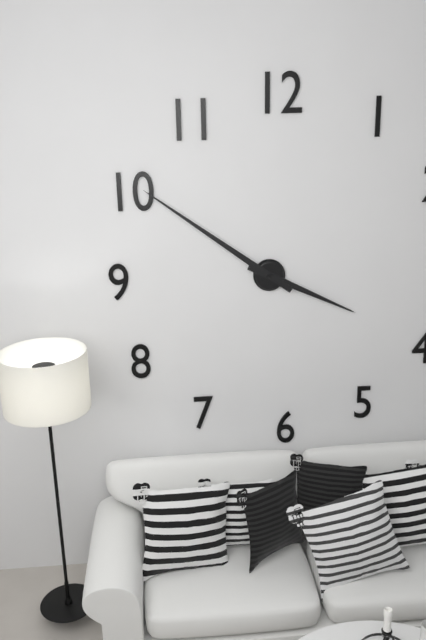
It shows 3,51
